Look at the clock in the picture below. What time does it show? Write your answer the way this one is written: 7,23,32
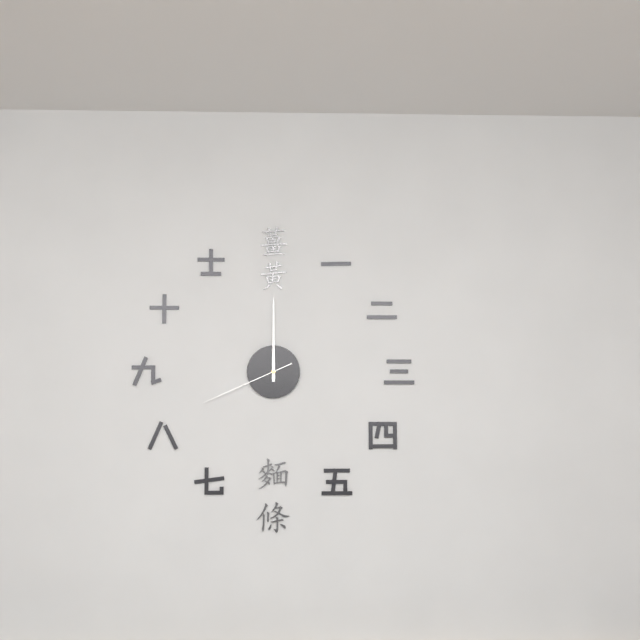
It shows 12,00,41
